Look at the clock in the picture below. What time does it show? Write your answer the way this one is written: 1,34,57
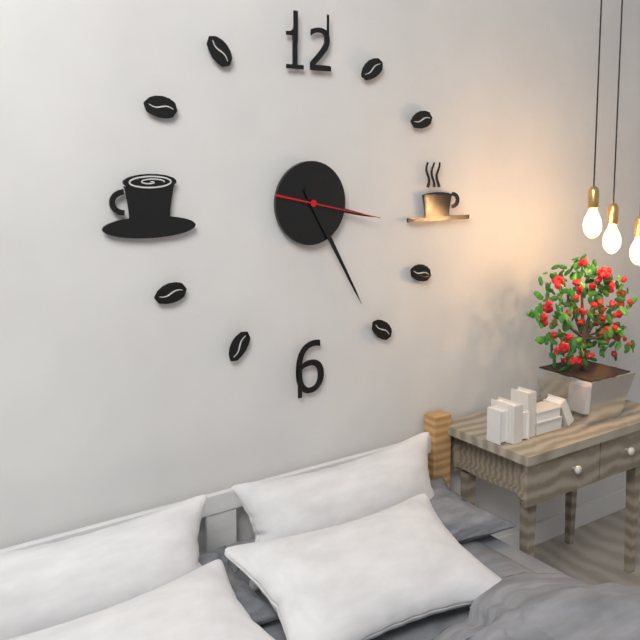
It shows 3,25,17
